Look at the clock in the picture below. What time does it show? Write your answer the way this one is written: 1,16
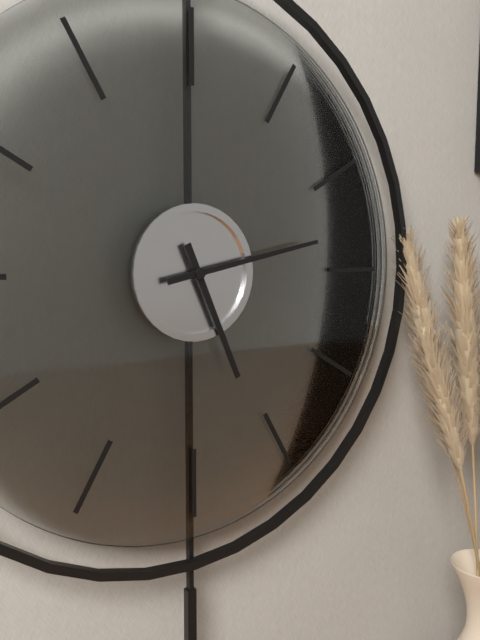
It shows 5,13
